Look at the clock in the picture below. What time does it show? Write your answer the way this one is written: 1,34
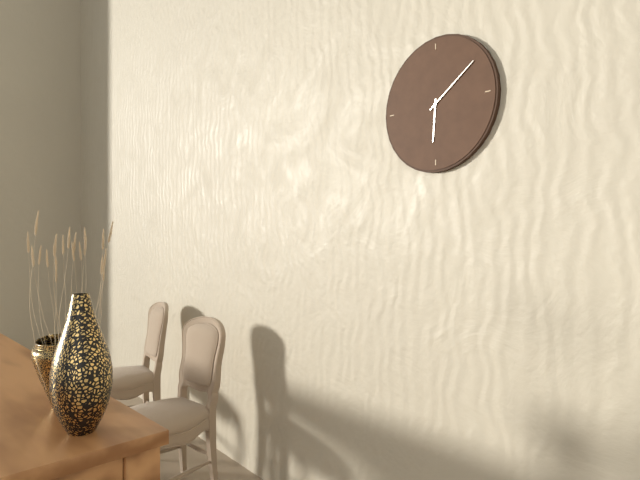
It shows 6,09
